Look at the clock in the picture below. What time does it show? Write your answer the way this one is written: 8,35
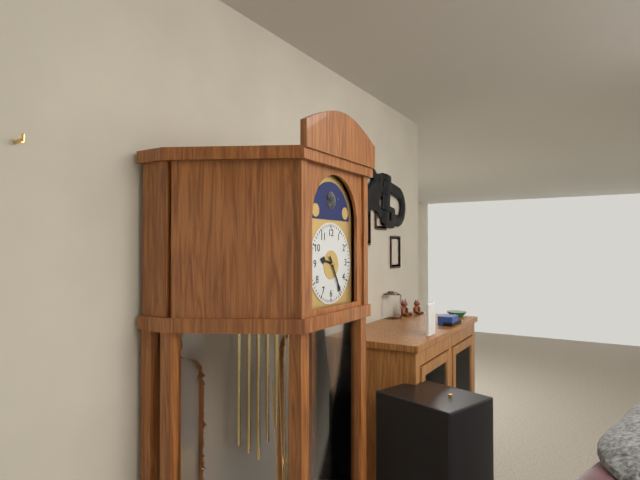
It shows 9,25
